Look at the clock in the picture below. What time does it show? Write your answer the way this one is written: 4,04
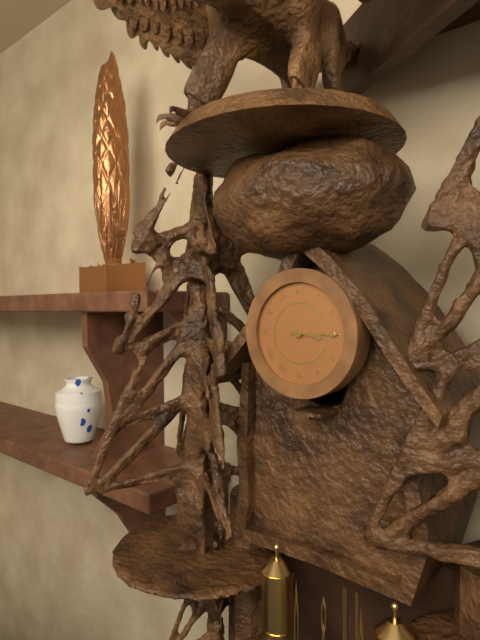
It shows 3,15
